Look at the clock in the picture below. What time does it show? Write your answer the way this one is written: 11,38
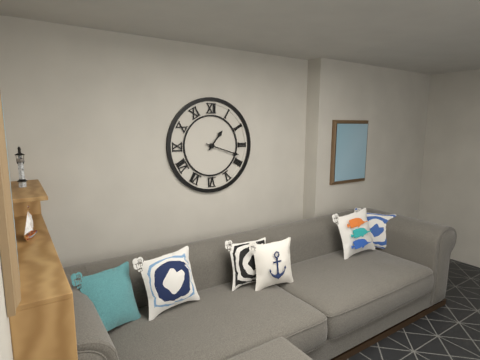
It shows 1,18
